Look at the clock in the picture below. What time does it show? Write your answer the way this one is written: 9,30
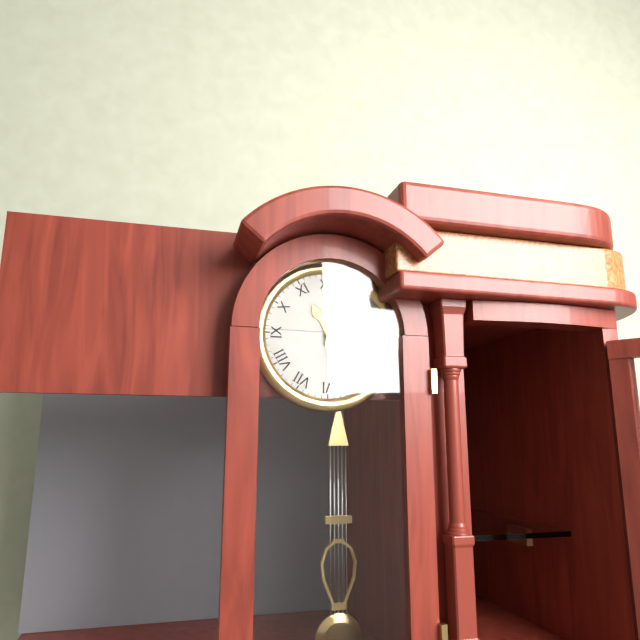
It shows 11,02
